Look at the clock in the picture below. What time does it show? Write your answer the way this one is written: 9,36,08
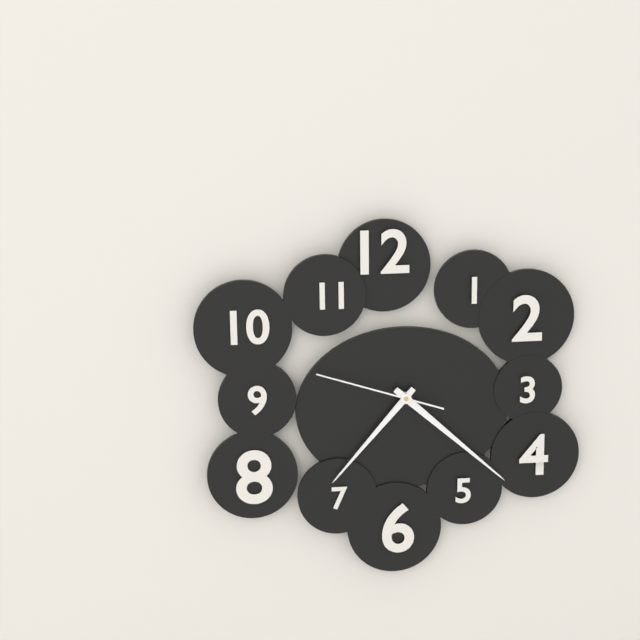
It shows 7,22,48
